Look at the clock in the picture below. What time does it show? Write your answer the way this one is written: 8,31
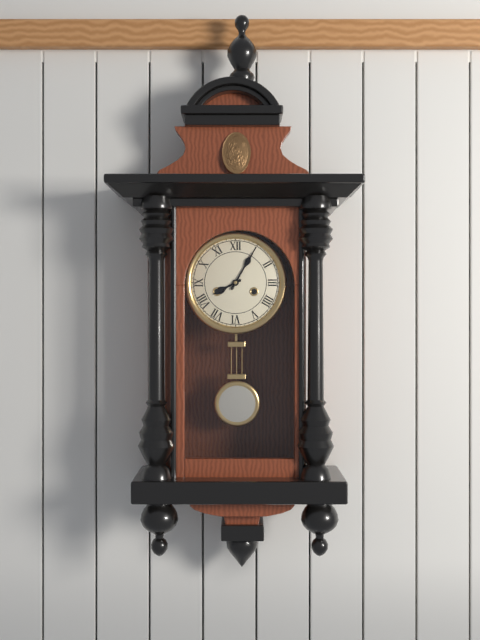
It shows 8,05
